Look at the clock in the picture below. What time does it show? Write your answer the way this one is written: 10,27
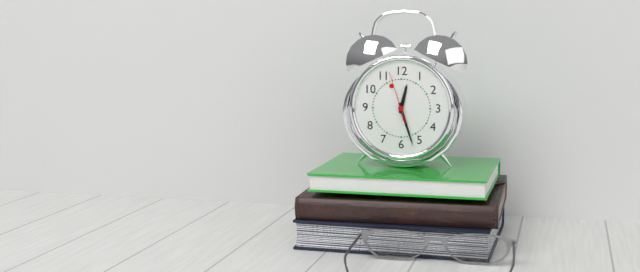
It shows 12,27
